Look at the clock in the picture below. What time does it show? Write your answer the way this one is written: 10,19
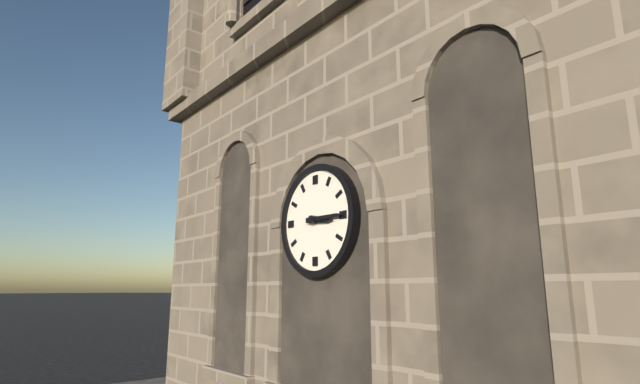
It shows 3,15
